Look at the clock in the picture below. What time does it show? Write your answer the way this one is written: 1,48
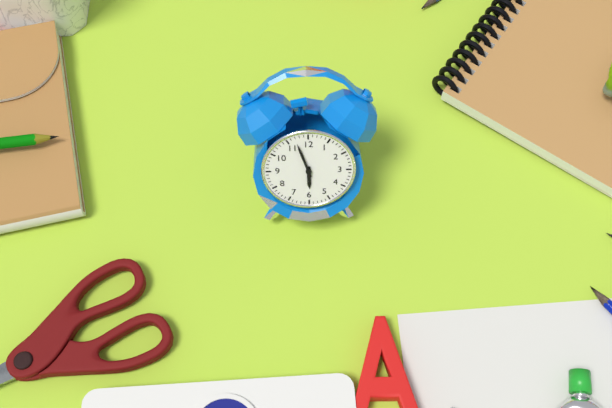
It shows 5,57
